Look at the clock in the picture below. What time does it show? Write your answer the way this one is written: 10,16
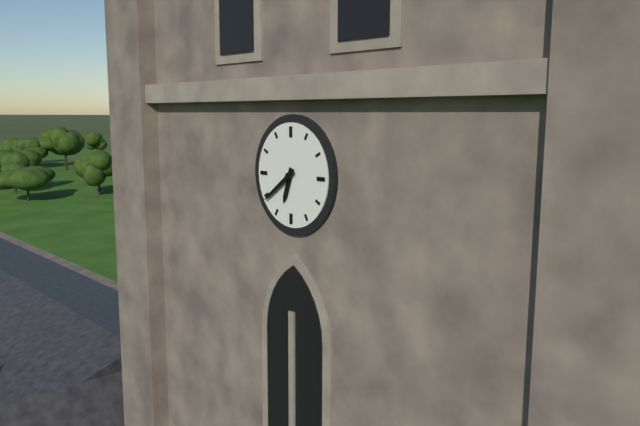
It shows 6,39
